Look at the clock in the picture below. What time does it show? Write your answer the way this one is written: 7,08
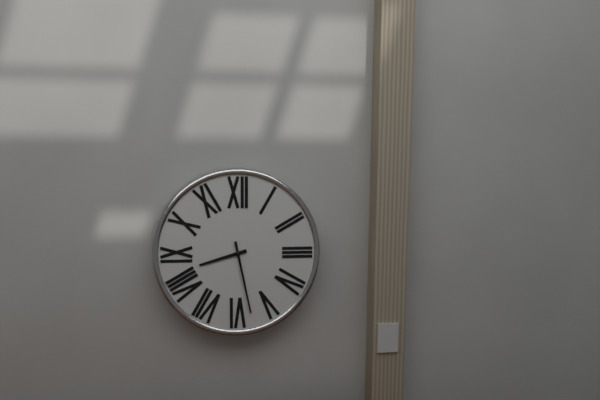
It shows 8,28
